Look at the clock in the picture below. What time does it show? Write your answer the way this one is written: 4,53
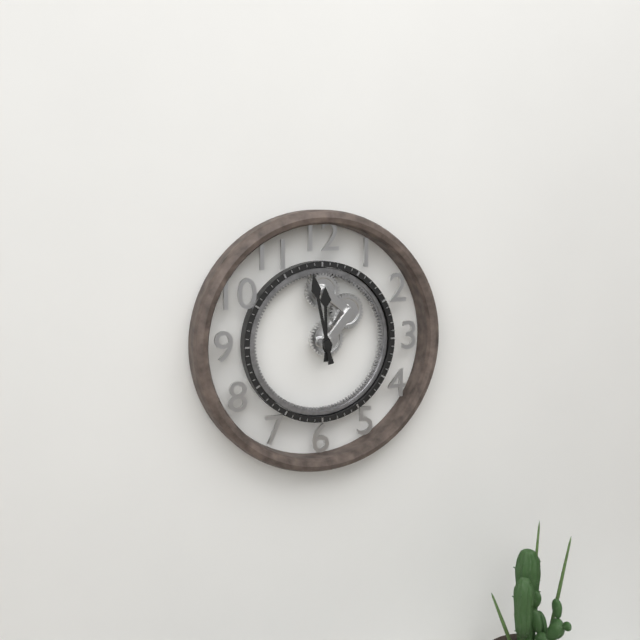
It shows 11,58
